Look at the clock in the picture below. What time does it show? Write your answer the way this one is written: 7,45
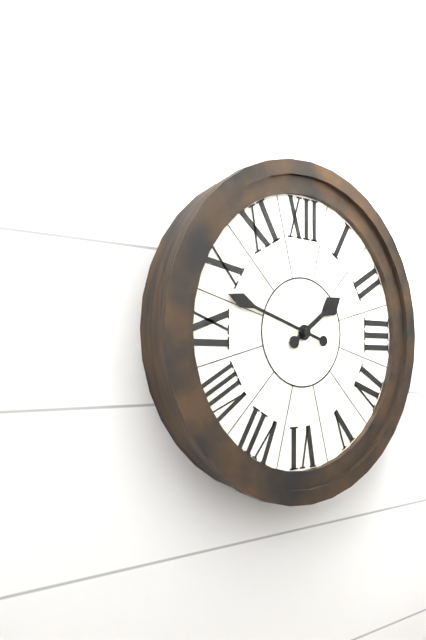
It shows 1,48
